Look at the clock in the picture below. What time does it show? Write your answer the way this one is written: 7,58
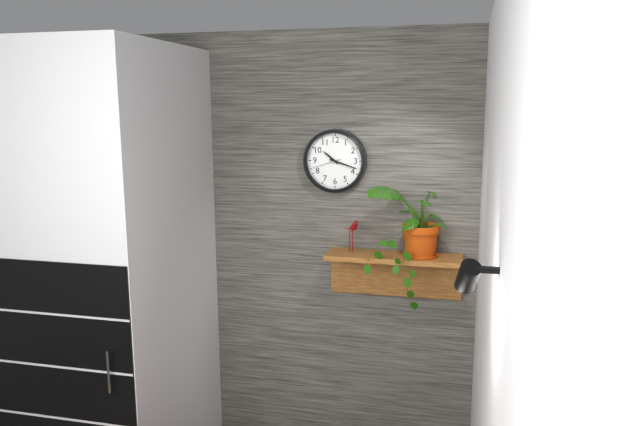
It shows 10,18
